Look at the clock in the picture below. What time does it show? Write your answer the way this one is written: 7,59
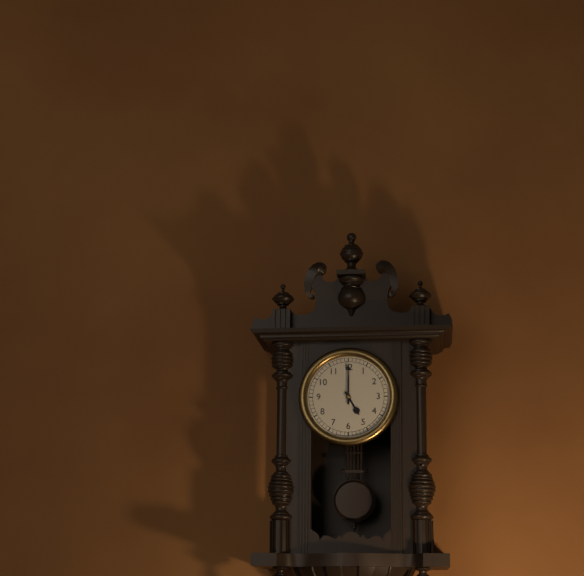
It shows 5,00
